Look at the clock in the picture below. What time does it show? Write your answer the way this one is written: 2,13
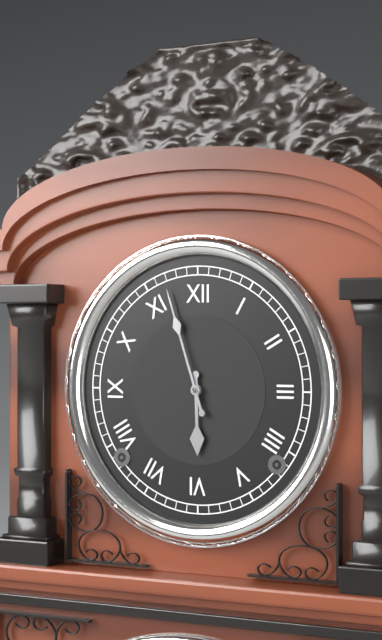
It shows 5,57
